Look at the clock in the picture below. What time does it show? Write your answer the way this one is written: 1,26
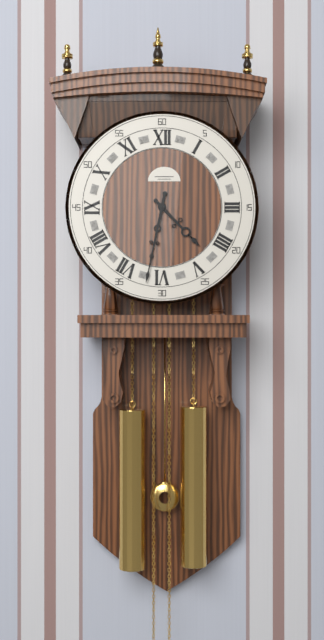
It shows 4,32
